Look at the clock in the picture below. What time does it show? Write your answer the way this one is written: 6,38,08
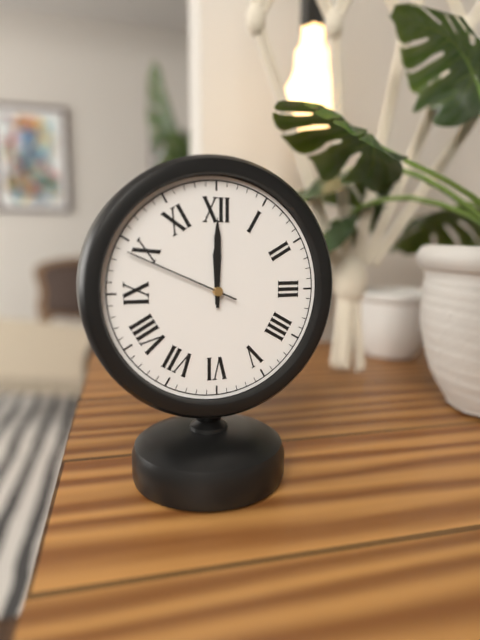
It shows 12,00,49
